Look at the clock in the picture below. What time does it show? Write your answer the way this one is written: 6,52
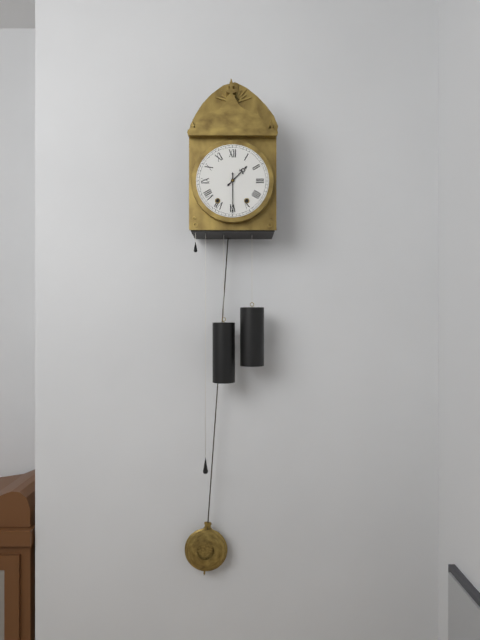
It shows 1,30
